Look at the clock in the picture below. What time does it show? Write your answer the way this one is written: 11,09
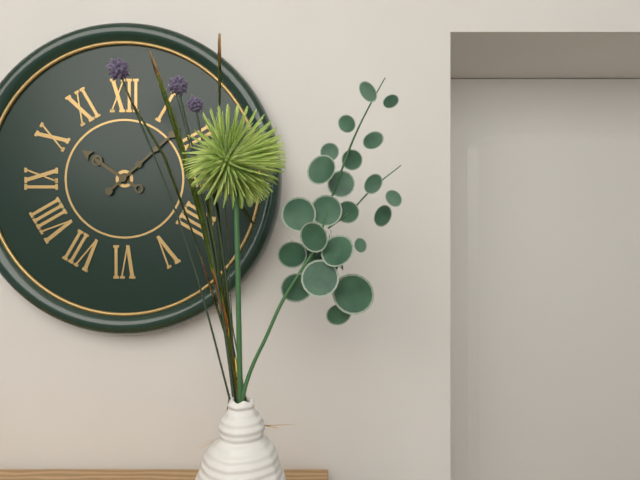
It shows 10,08
